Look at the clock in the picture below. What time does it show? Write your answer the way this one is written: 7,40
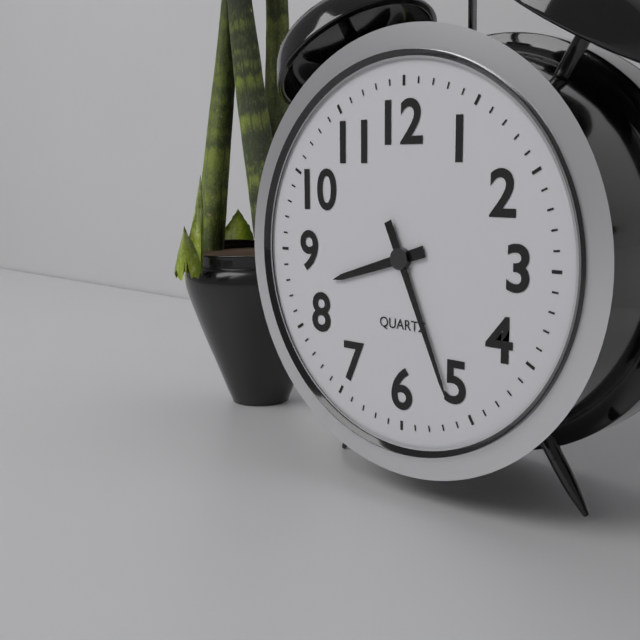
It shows 8,26
